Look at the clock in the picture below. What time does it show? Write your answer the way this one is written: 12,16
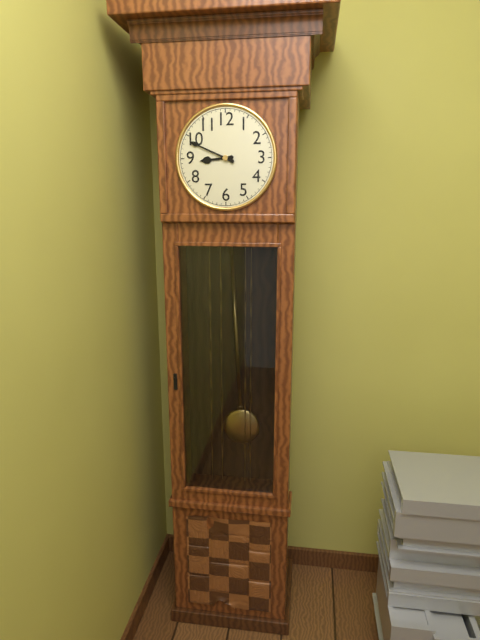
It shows 8,49
